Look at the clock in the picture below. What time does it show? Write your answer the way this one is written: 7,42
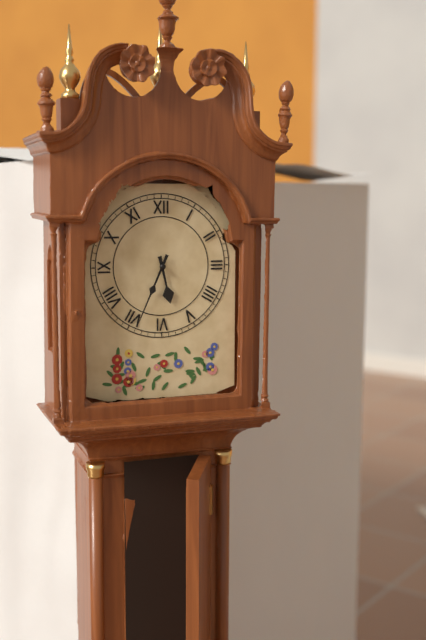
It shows 5,34
